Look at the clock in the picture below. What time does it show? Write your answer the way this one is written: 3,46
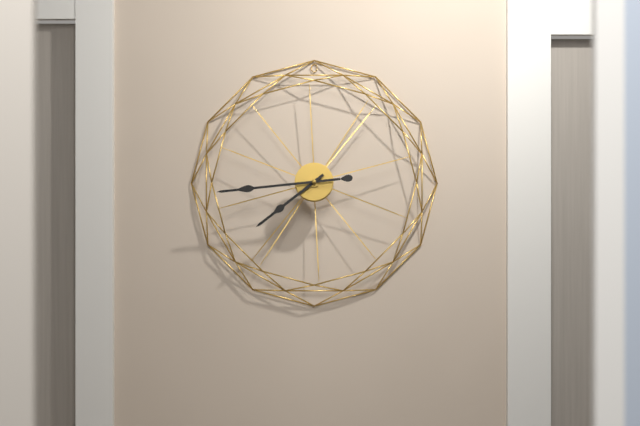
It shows 7,44
